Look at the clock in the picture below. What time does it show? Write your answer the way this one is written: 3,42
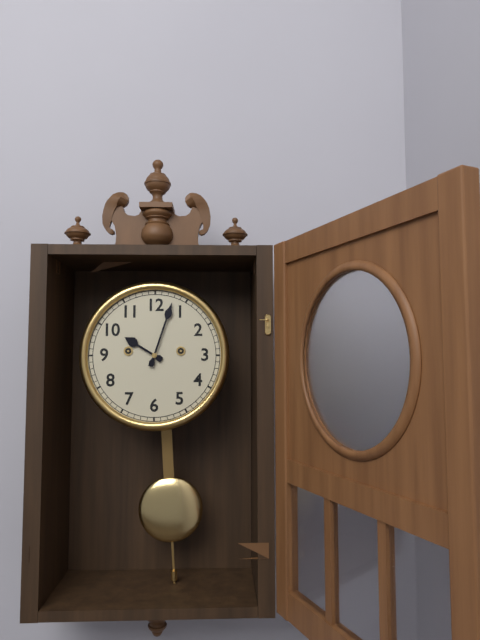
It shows 10,03
